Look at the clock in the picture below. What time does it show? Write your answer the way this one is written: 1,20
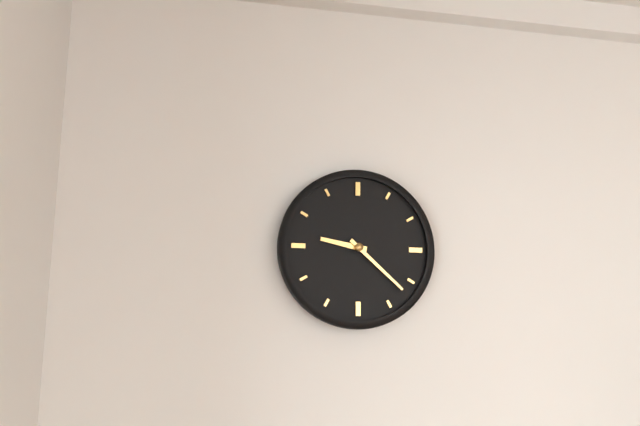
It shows 9,22
